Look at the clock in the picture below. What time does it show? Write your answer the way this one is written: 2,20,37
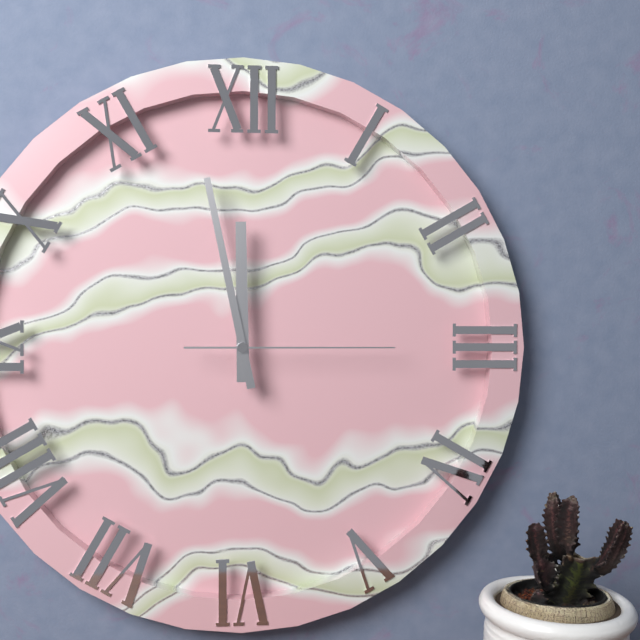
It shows 11,58,15
